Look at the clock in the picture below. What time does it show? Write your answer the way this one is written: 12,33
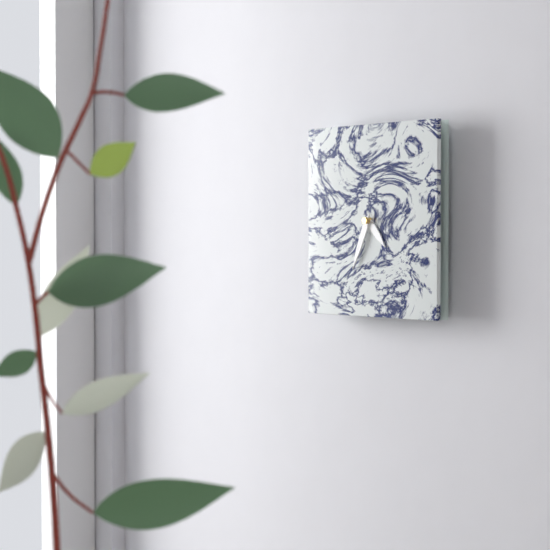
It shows 4,34
